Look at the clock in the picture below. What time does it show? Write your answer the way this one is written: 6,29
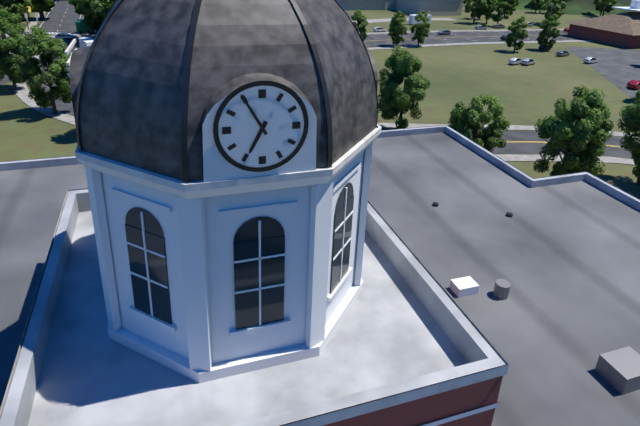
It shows 6,55
